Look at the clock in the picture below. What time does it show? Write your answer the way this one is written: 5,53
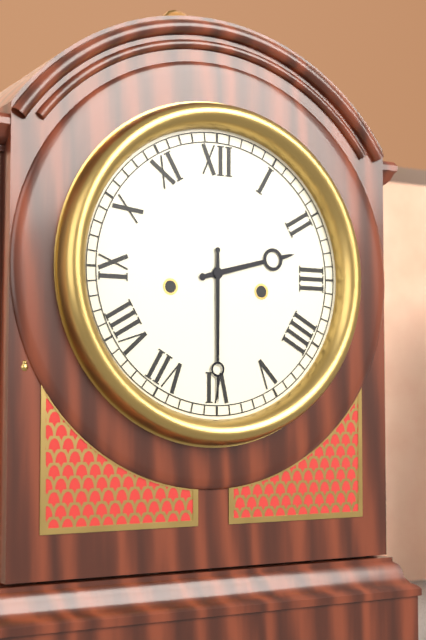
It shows 2,30
